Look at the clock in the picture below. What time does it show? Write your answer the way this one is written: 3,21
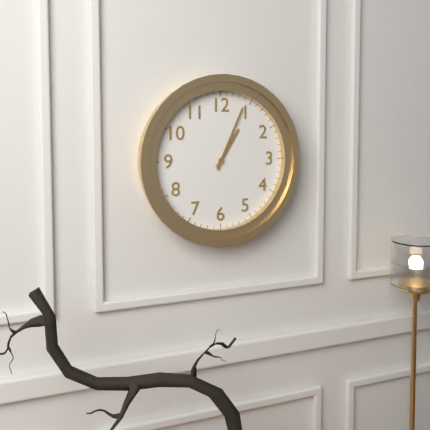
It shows 1,04
